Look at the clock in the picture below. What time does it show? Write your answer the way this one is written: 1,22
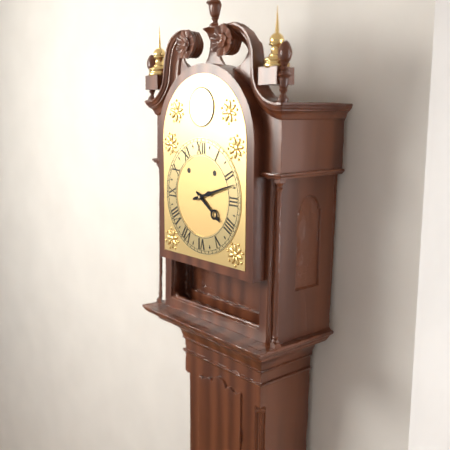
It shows 4,12
